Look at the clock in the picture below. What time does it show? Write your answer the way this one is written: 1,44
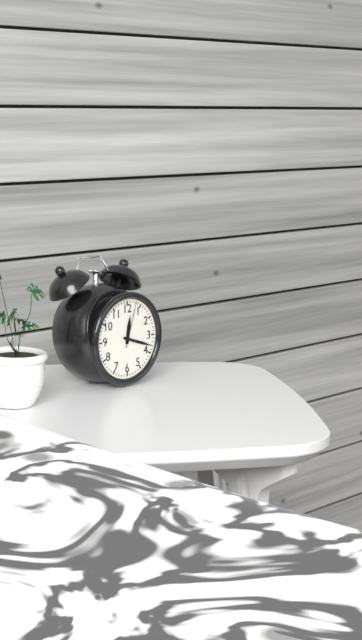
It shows 12,18
